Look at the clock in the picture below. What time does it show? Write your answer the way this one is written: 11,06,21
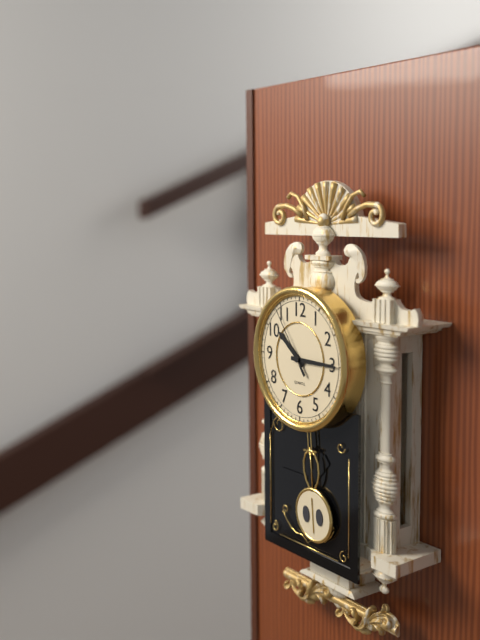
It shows 10,15,54
